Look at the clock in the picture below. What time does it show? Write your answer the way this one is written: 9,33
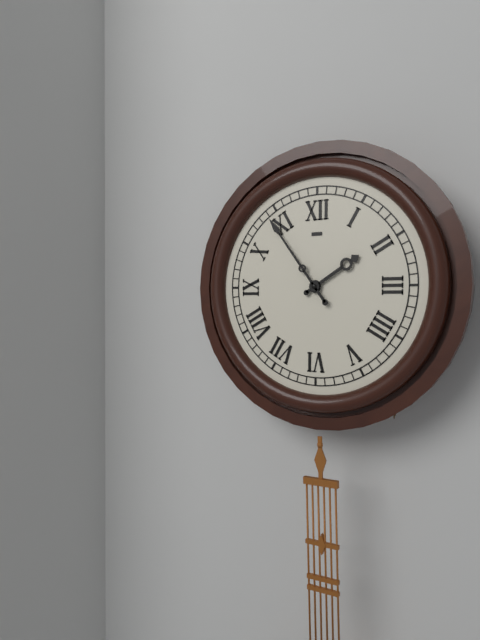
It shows 1,54
